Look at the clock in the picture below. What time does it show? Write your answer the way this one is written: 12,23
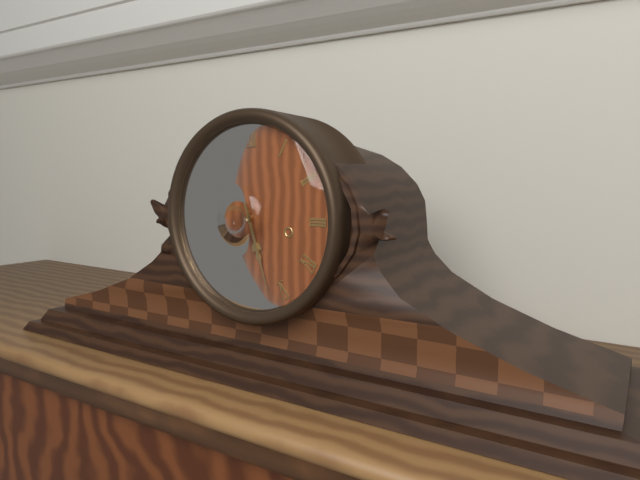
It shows 5,27
